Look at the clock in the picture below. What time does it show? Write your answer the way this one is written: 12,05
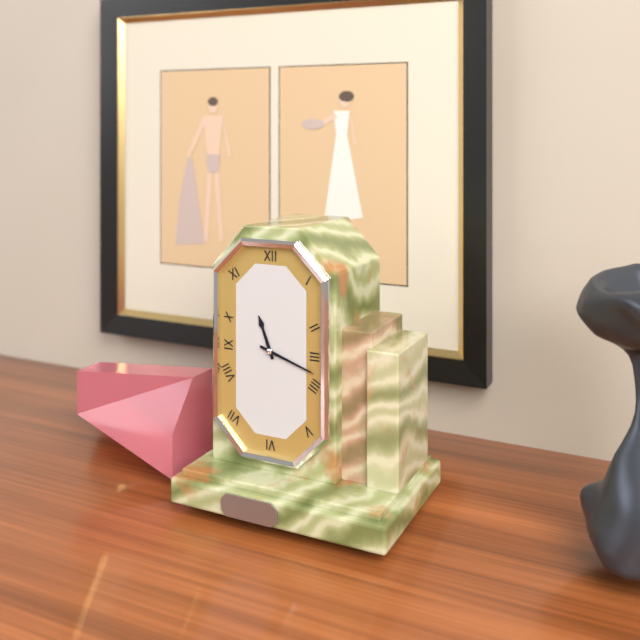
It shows 11,18
